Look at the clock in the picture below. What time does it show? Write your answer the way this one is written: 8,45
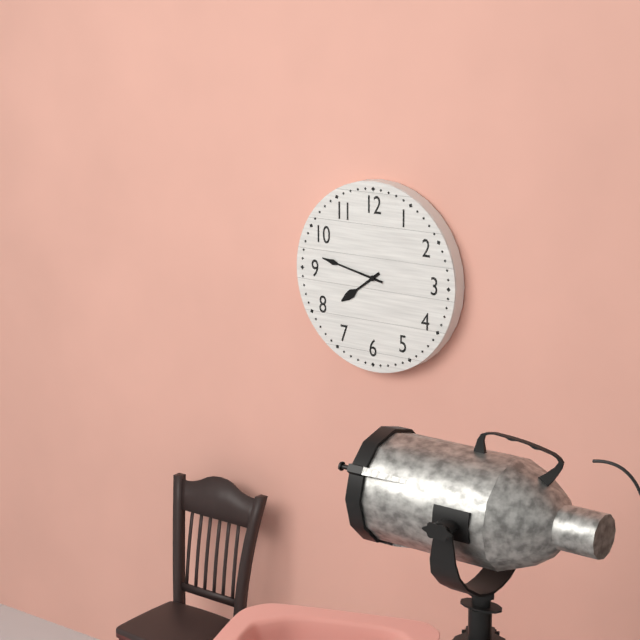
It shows 7,47
